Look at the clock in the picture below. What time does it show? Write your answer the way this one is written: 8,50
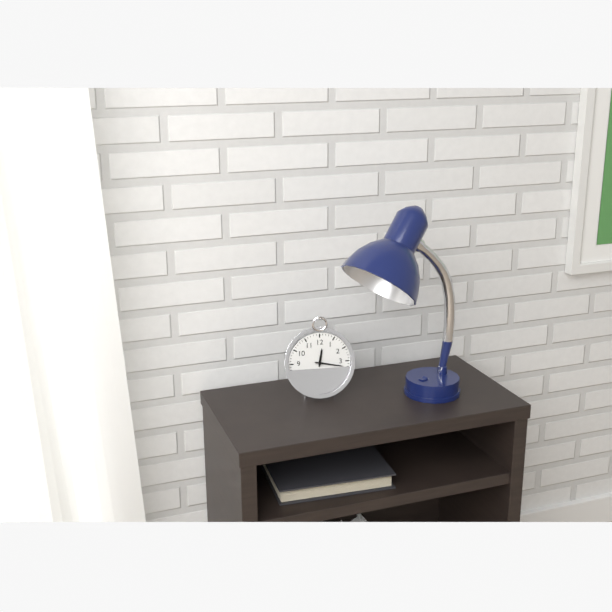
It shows 12,17
